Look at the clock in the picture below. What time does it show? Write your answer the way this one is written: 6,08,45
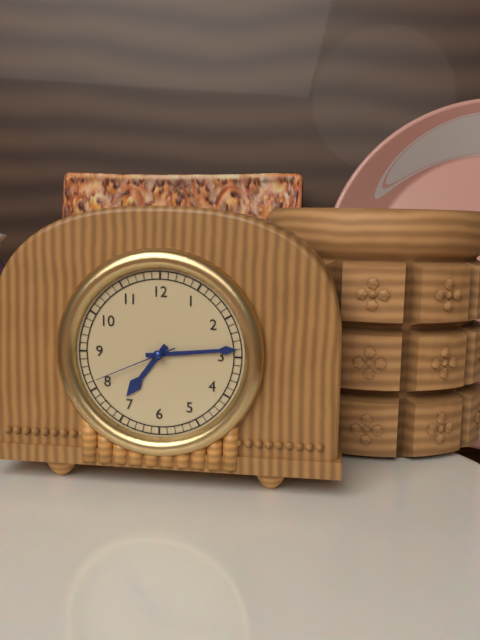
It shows 7,14,41
